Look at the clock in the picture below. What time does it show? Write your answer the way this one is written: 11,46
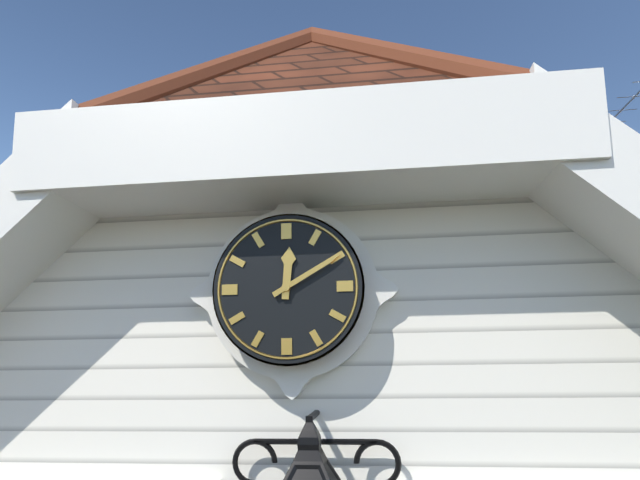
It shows 12,10
